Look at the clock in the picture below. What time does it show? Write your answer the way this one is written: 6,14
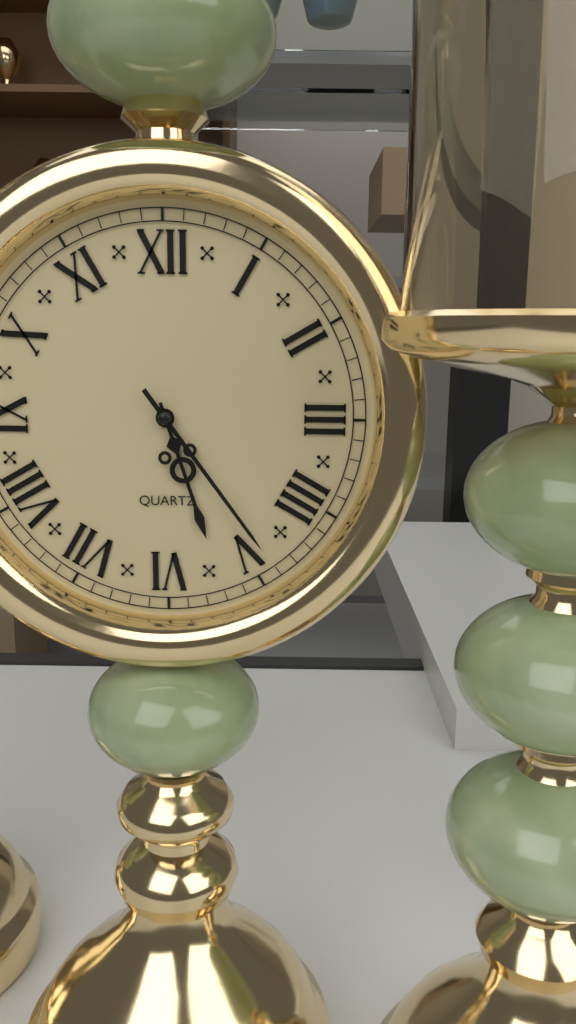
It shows 5,24
